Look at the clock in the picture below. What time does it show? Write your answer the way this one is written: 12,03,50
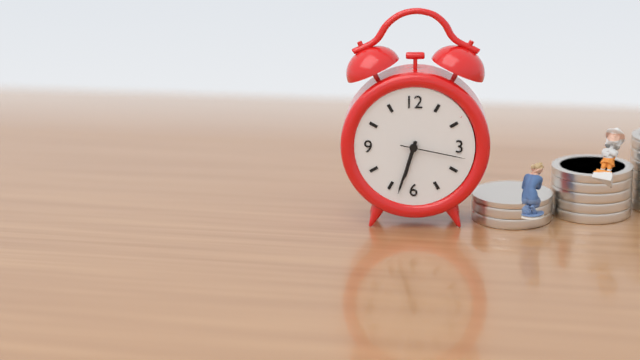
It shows 6,33,17
